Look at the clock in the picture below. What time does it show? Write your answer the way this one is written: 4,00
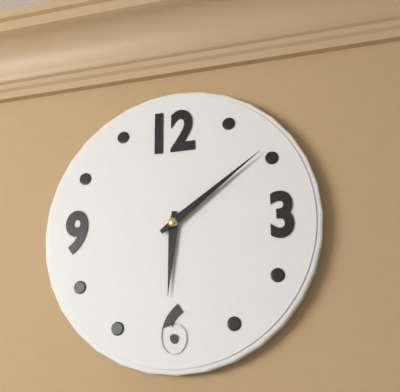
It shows 6,09
